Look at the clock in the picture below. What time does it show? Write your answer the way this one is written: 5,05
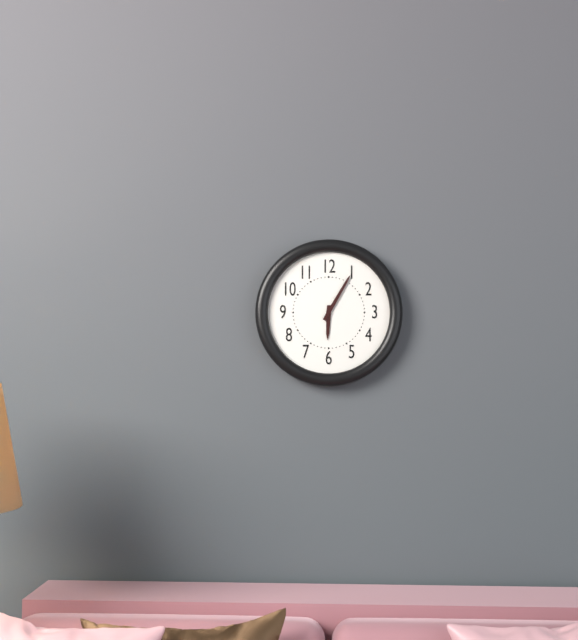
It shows 6,05
